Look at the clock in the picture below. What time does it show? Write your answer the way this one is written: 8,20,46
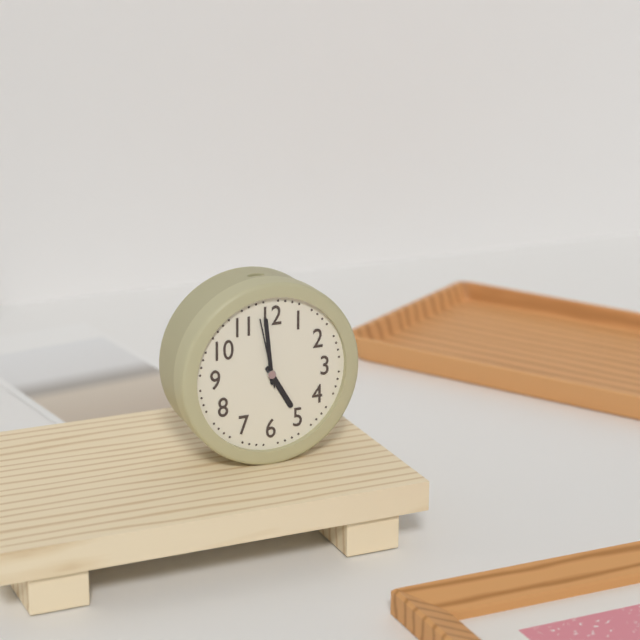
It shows 4,59,58
